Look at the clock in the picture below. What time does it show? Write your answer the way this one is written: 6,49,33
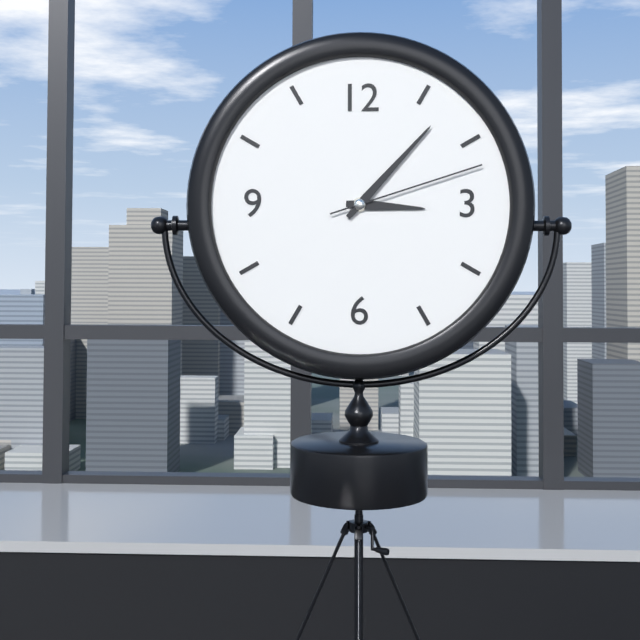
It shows 3,07,12
